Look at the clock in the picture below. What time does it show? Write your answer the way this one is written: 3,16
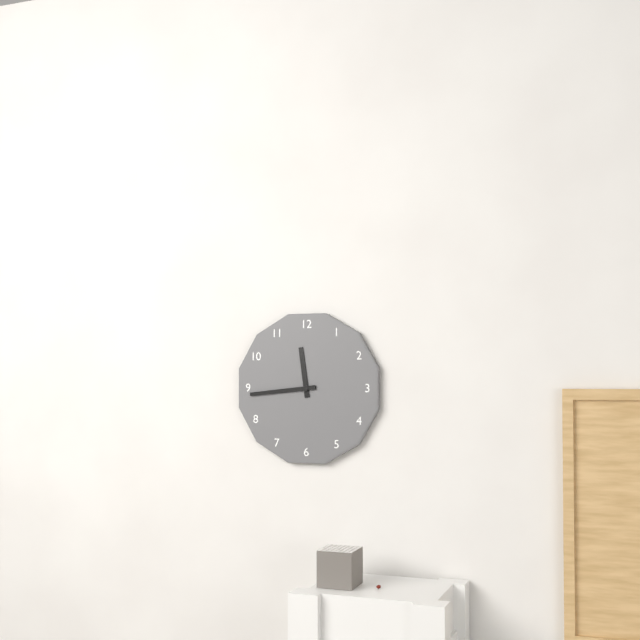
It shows 11,44
